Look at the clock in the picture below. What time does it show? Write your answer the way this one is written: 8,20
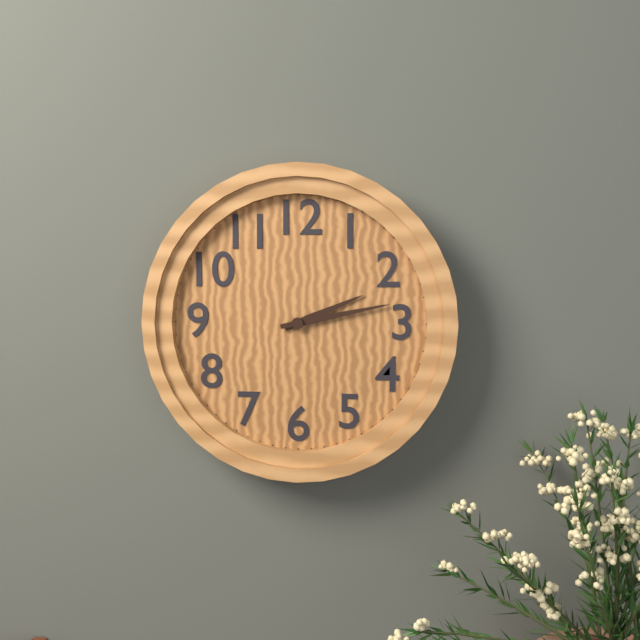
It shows 2,13
